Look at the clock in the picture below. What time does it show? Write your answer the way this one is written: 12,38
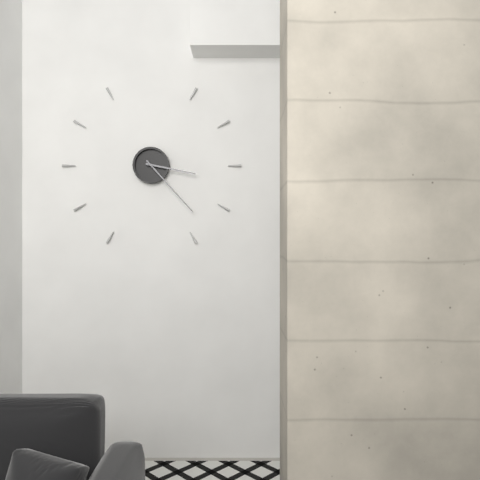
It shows 3,23
